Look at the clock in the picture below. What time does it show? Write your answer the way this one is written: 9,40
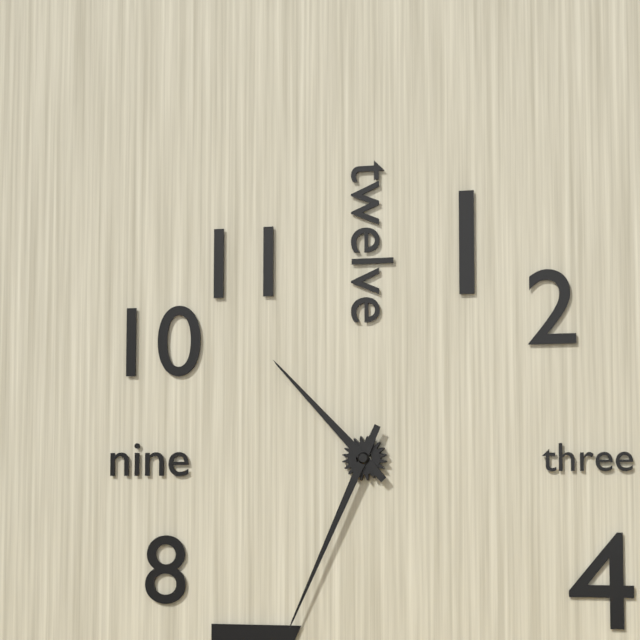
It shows 10,34
